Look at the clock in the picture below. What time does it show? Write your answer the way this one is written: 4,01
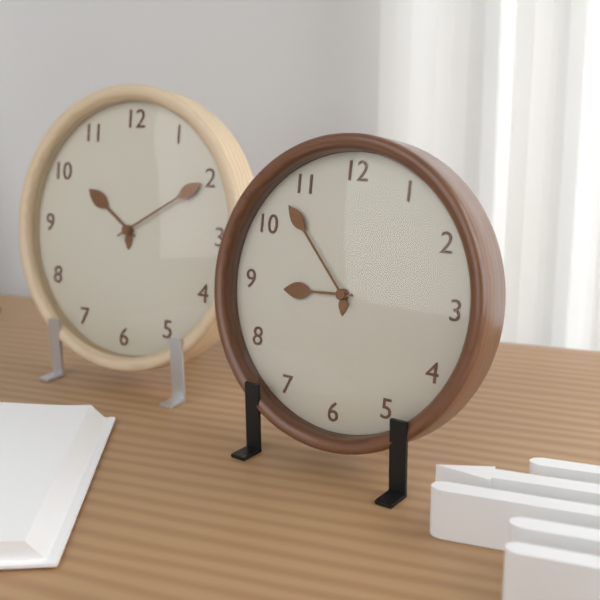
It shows 8,53
